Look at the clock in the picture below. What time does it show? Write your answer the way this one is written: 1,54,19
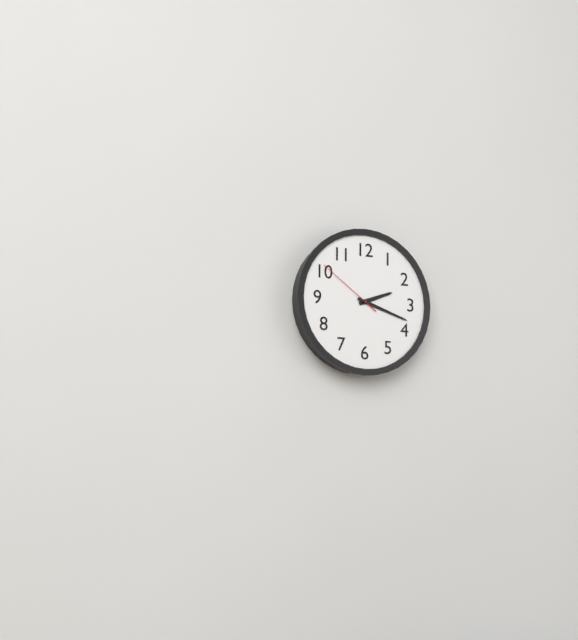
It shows 2,18,51
